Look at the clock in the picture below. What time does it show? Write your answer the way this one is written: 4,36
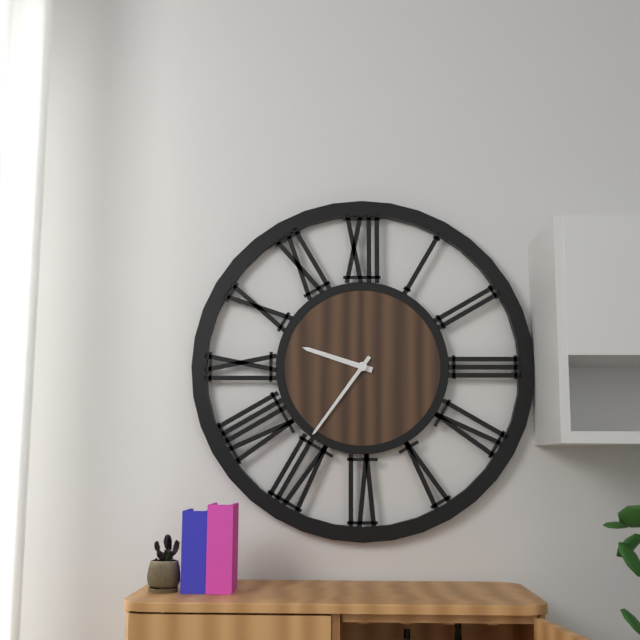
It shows 9,36
